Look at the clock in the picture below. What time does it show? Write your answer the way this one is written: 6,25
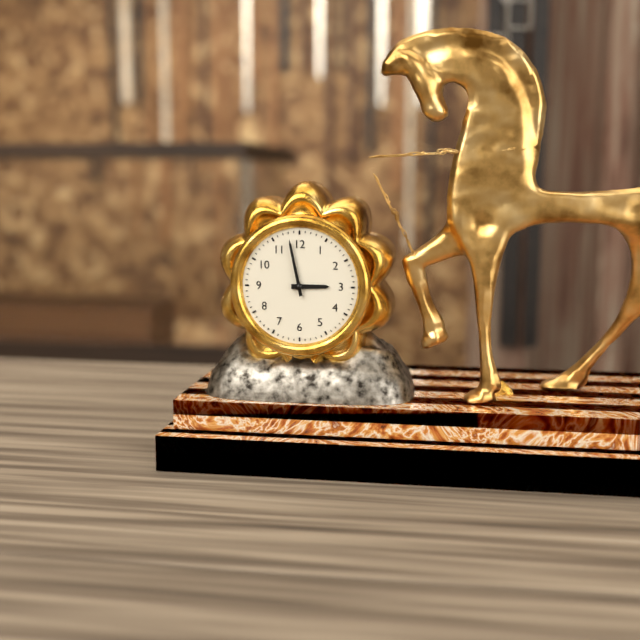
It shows 2,58
